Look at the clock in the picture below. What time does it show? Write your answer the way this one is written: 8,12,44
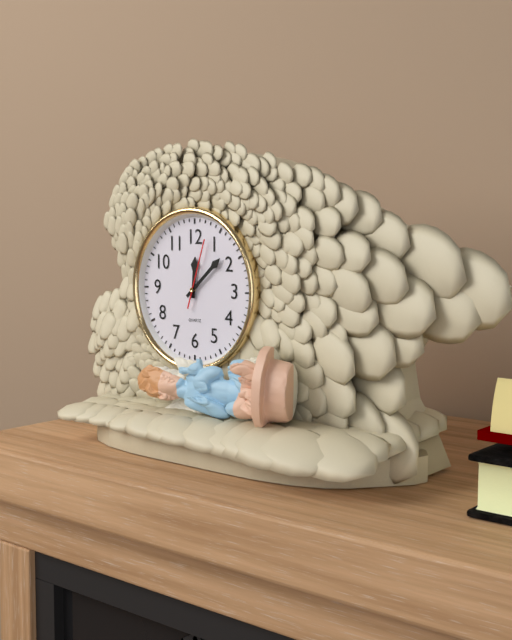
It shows 12,08,03
